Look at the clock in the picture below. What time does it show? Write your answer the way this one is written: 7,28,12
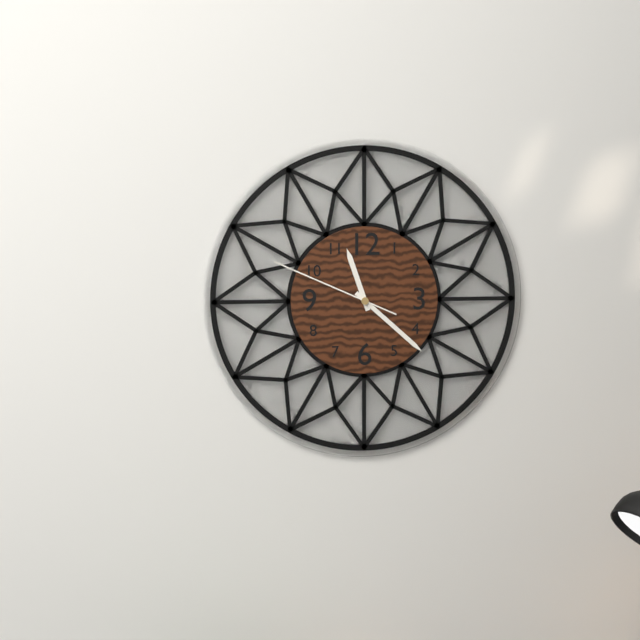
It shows 11,22,49
